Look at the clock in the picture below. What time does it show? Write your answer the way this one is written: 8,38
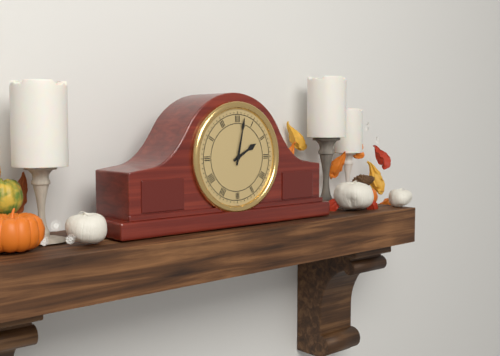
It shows 2,02
